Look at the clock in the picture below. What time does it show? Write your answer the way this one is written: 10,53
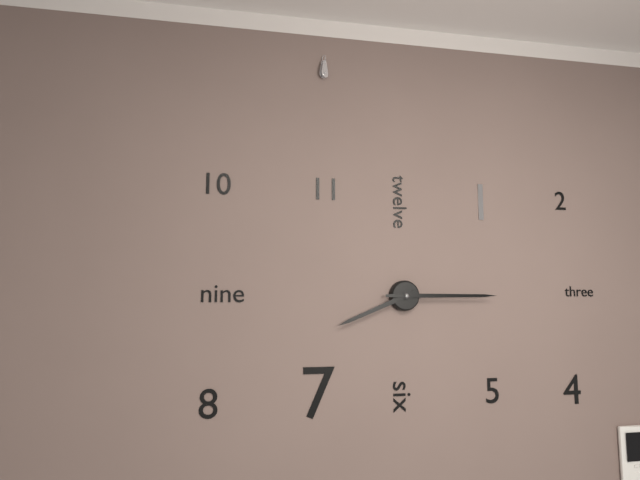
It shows 8,15
